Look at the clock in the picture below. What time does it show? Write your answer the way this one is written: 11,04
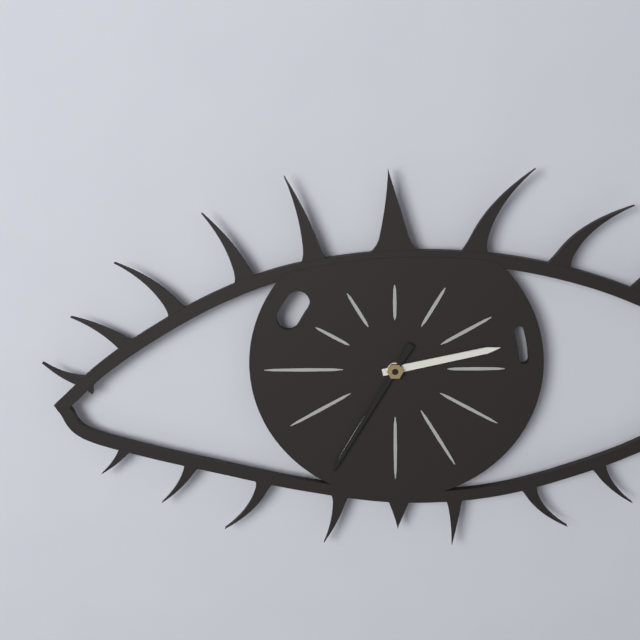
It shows 2,35
